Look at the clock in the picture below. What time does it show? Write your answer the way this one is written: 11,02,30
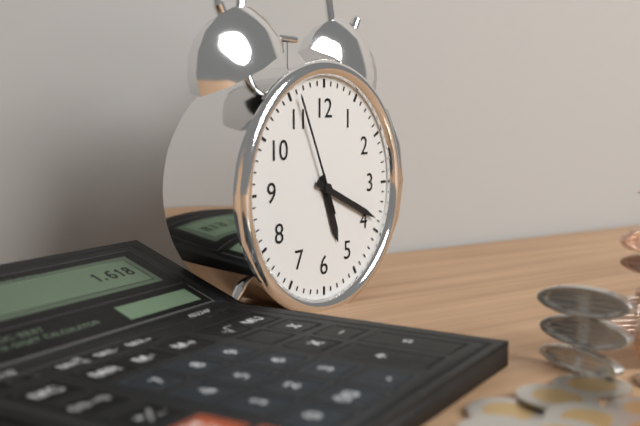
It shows 5,19,56
